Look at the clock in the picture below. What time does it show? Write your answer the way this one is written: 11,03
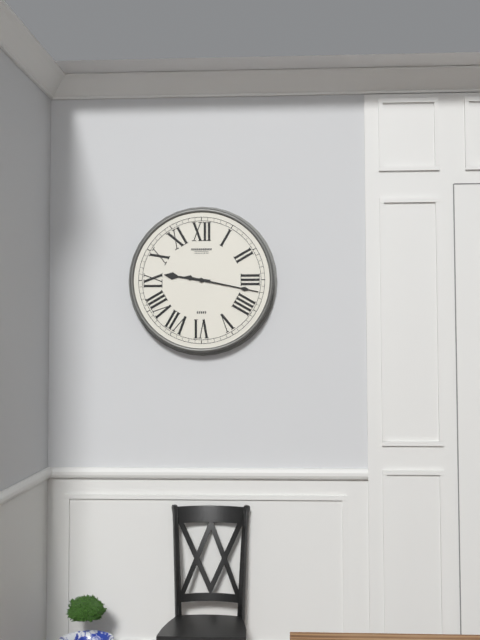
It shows 9,17
